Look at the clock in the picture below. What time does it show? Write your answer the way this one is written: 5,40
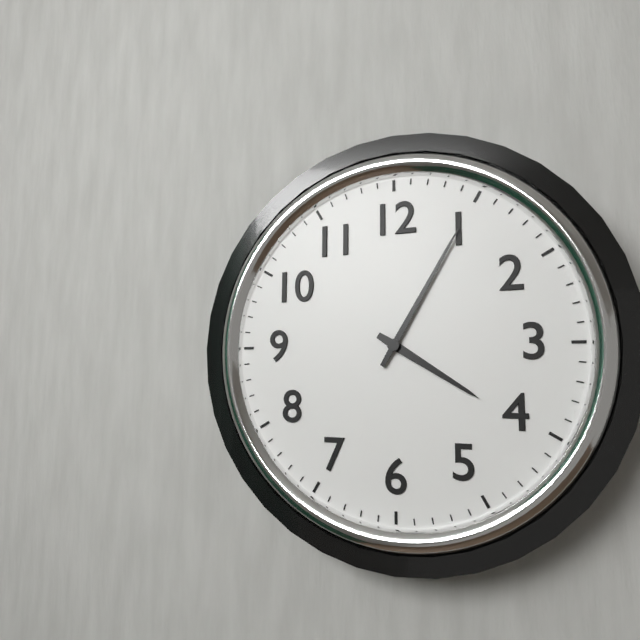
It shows 4,05
